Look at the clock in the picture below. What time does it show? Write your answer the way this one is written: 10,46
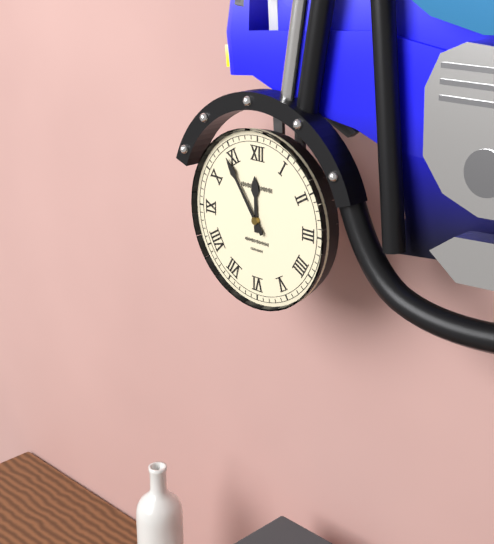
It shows 11,54
